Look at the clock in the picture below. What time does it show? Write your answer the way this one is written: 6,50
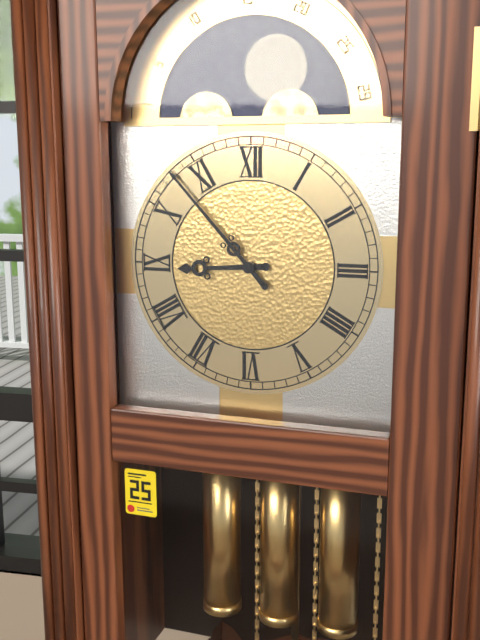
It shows 8,53
